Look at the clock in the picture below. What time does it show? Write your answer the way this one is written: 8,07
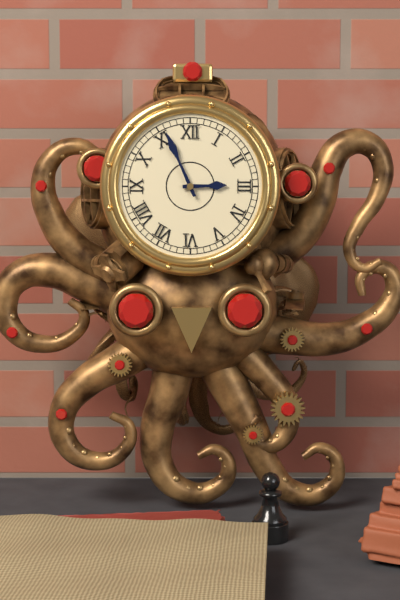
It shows 2,56
